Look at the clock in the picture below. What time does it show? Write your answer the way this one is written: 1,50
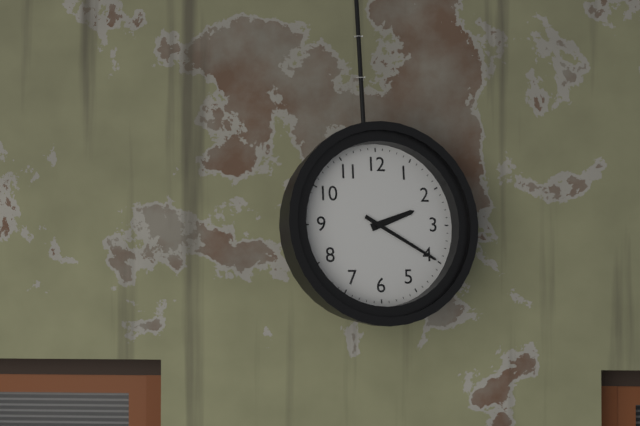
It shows 2,20
